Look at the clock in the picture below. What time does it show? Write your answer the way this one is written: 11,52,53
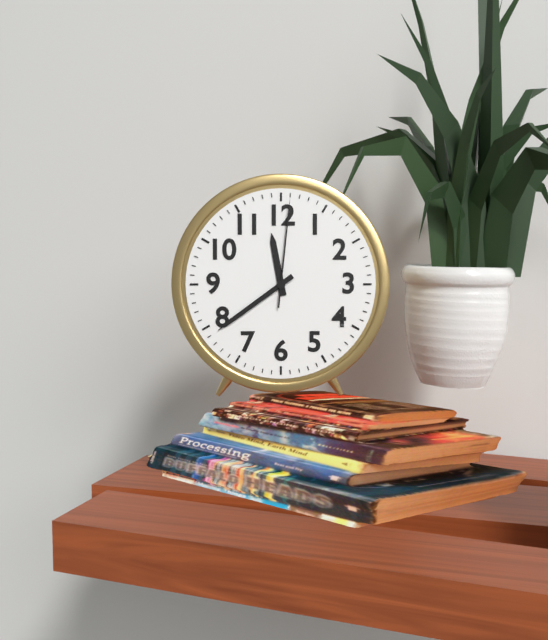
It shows 11,39,01
